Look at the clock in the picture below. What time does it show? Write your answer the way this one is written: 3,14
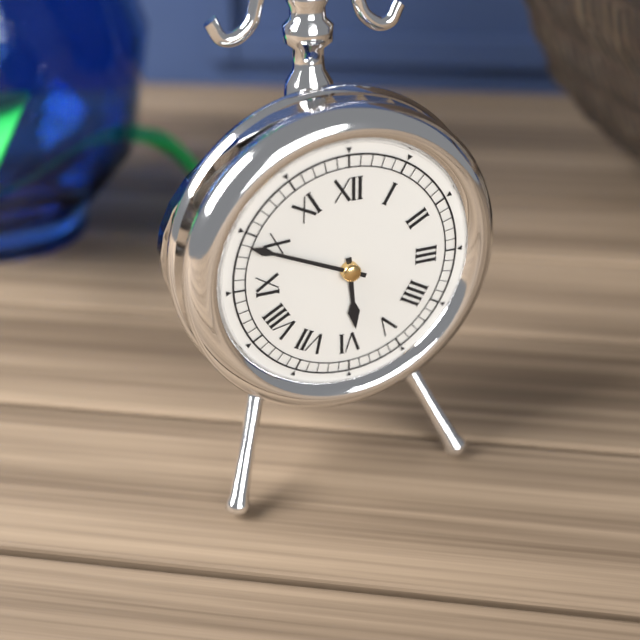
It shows 5,49
